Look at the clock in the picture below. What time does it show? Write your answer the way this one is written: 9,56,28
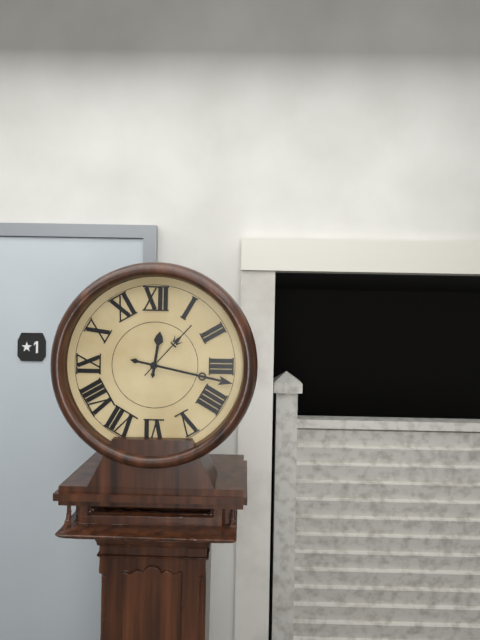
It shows 12,17,07
